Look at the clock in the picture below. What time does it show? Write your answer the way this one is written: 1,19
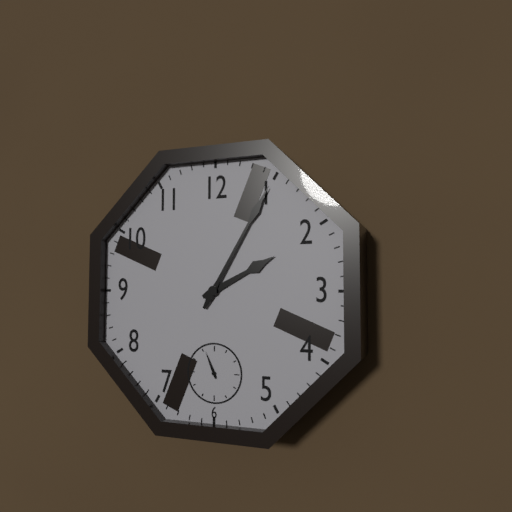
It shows 2,05
